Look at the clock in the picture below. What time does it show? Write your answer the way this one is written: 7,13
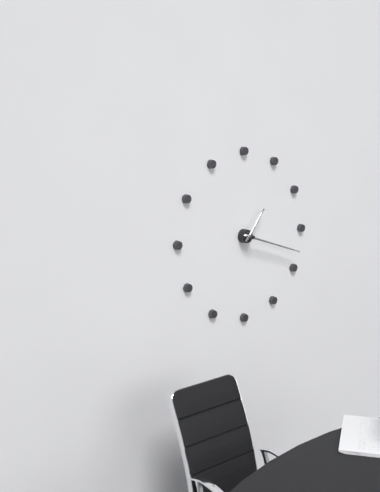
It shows 1,18
